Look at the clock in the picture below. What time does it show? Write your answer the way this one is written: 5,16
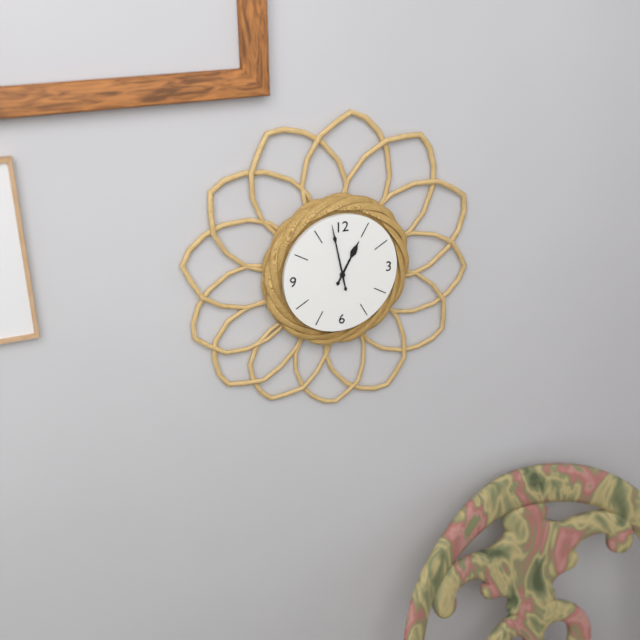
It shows 12,58
